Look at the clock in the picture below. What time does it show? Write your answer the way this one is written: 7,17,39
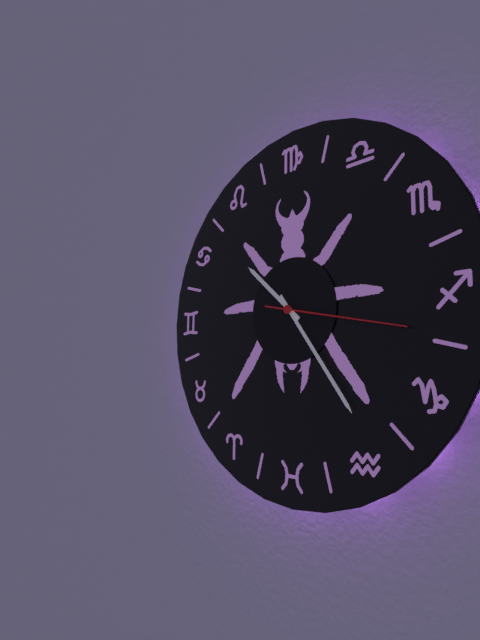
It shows 10,24,17
